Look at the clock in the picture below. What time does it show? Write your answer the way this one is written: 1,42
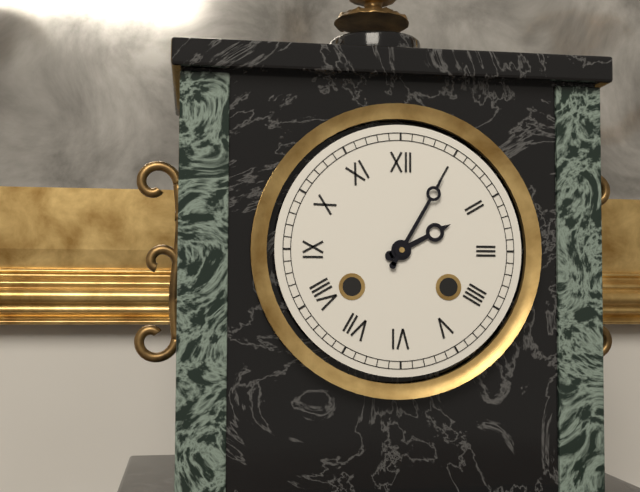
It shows 2,05
